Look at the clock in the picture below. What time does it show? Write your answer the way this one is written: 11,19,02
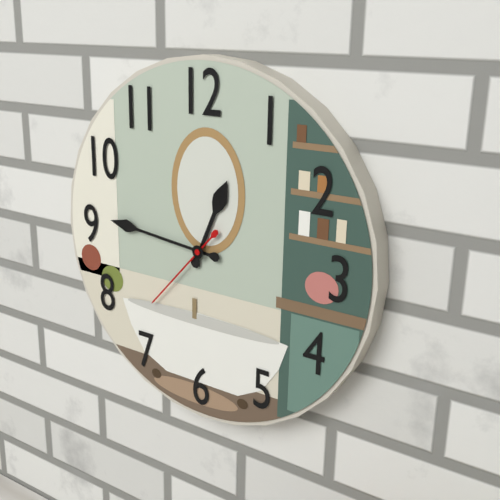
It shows 12,46,37
